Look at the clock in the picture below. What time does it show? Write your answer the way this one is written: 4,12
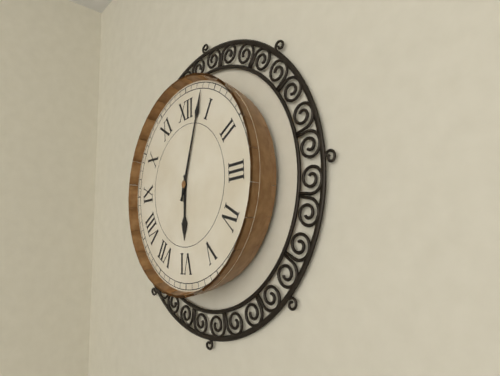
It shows 6,03
